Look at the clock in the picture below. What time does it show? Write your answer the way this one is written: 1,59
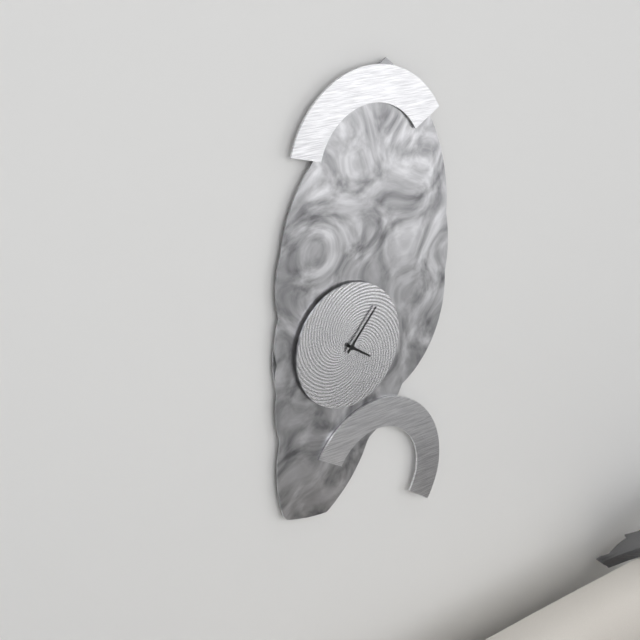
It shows 4,07
